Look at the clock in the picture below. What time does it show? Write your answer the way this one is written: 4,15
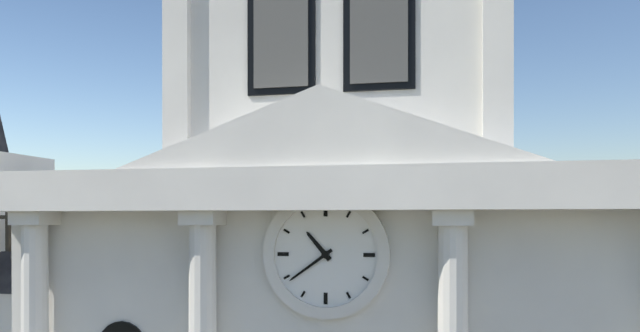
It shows 10,39
